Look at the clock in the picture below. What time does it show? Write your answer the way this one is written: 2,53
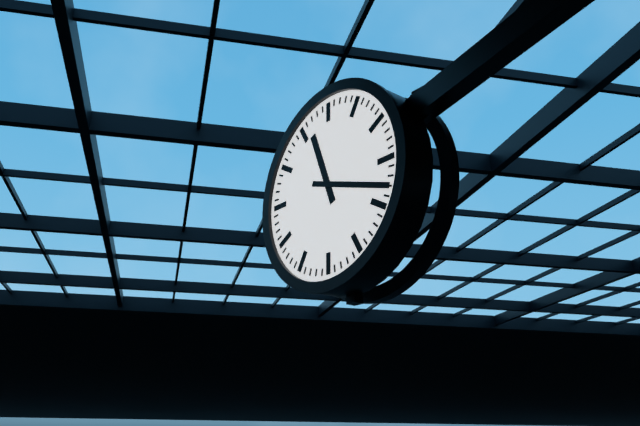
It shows 11,18
